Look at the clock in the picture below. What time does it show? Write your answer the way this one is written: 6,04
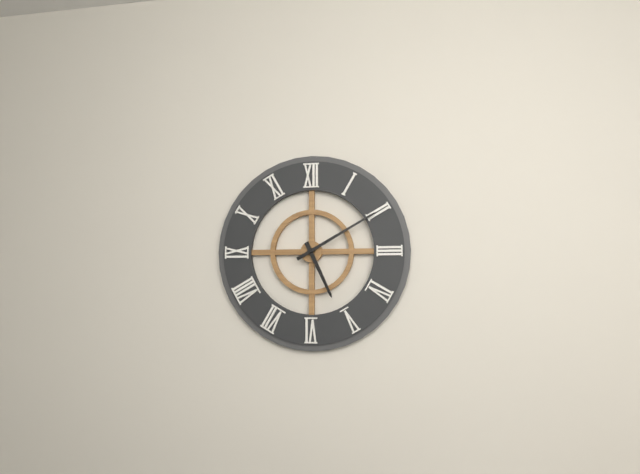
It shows 5,10
